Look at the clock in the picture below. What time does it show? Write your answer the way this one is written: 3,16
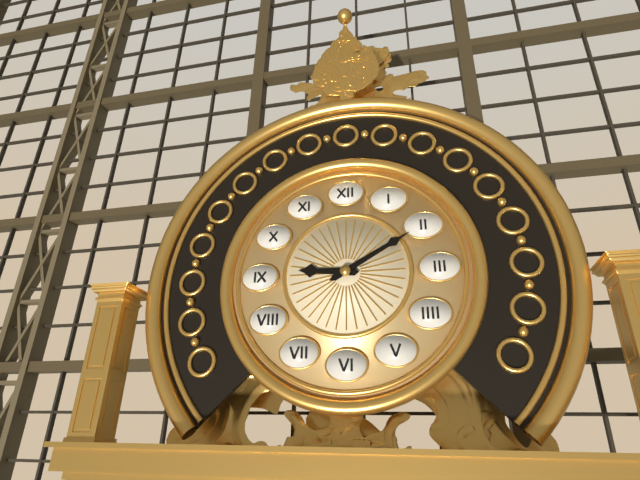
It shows 9,10
